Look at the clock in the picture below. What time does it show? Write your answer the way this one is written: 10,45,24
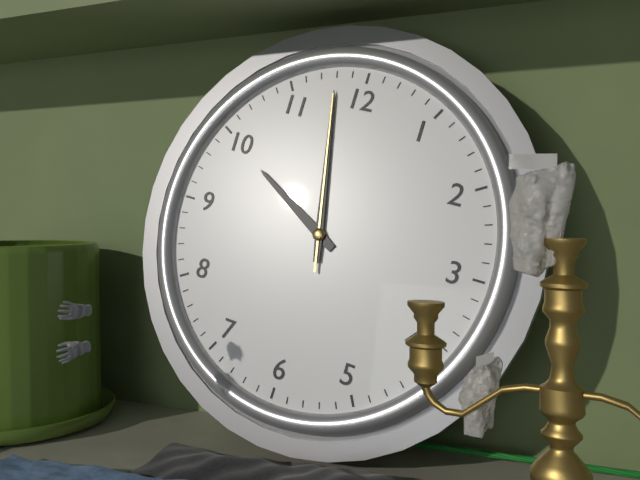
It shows 9,58,58
